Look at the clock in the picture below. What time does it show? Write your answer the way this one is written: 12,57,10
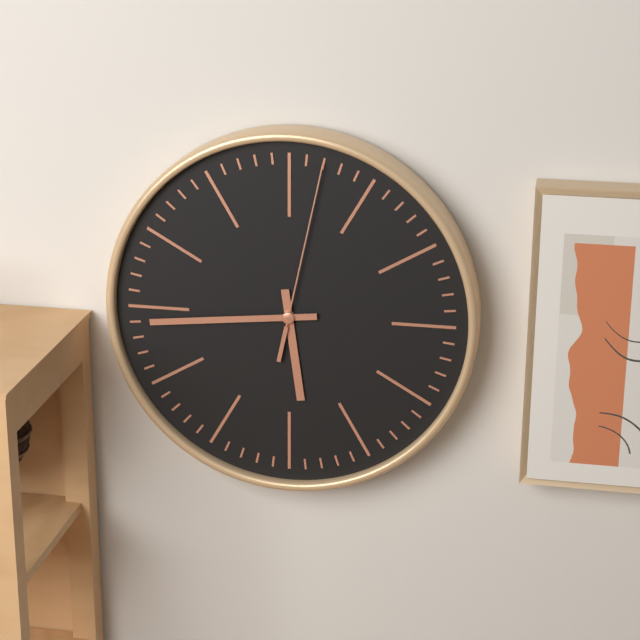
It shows 5,44,02
